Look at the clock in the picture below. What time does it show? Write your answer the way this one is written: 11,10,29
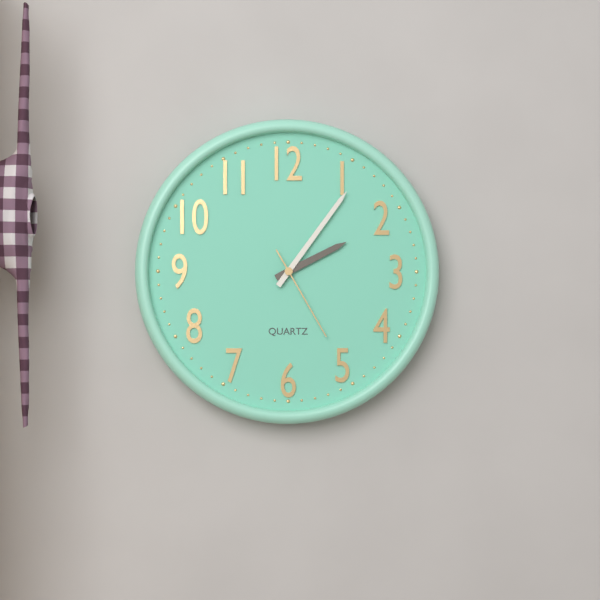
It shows 2,06,25
